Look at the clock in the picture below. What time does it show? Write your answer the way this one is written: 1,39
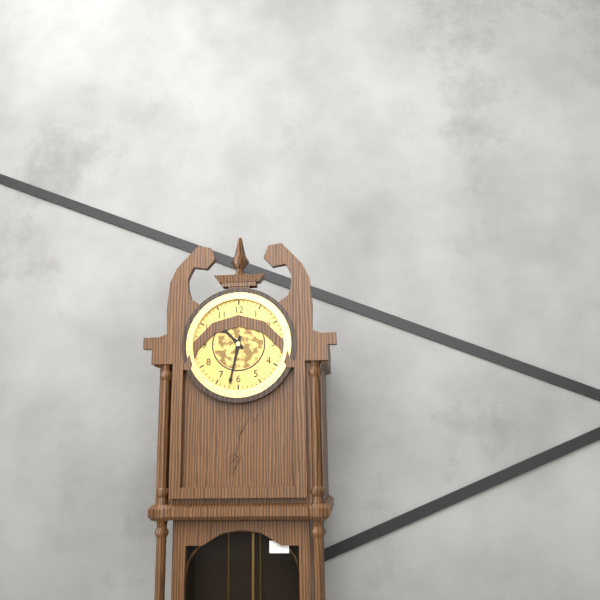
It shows 10,32
